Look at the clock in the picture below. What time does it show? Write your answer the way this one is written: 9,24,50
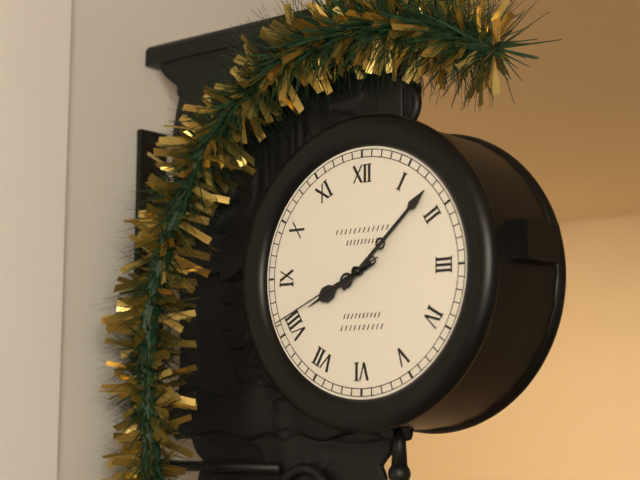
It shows 8,08,41
